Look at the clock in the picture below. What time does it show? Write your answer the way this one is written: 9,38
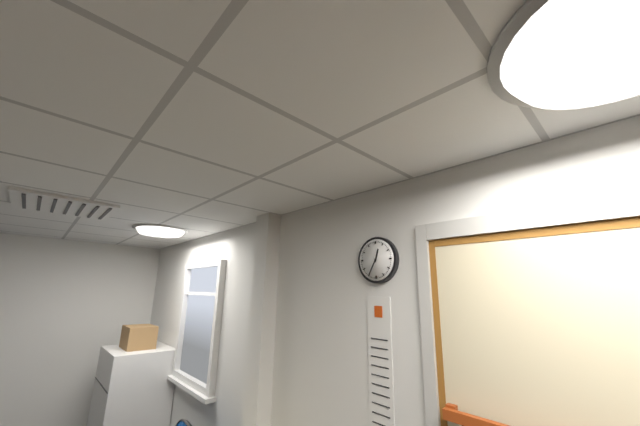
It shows 12,35
